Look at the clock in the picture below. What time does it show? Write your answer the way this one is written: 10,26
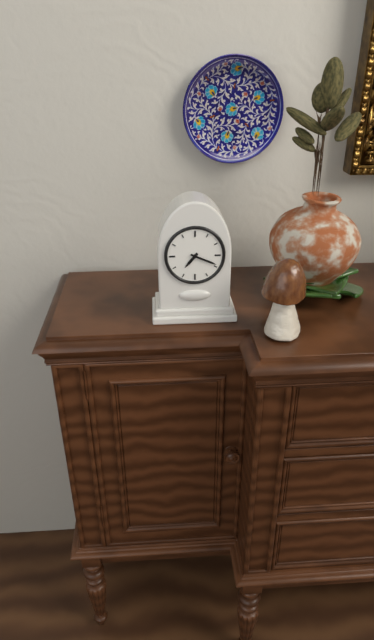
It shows 7,19
